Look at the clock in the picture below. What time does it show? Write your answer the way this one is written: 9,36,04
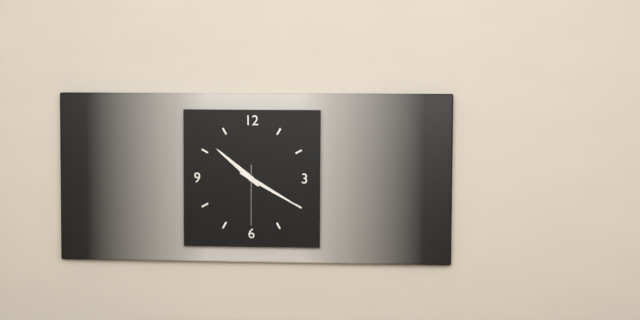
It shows 10,20,30
